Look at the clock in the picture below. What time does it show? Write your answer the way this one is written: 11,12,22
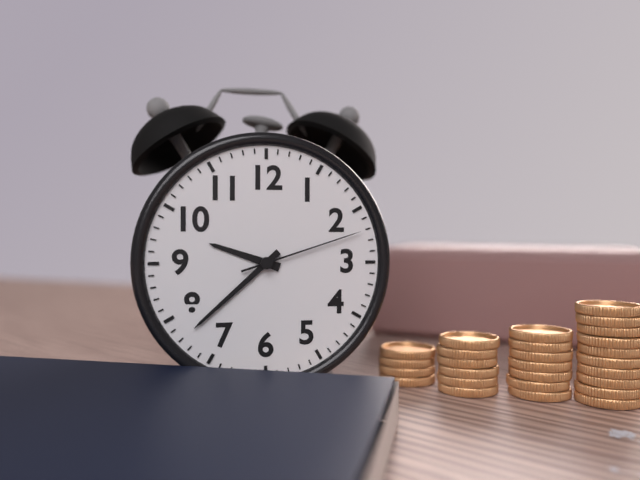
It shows 9,38,12
